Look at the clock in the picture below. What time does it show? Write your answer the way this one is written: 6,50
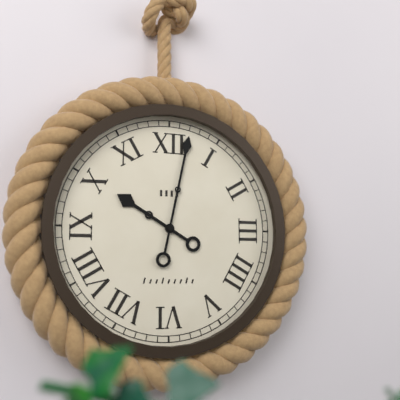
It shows 10,02
